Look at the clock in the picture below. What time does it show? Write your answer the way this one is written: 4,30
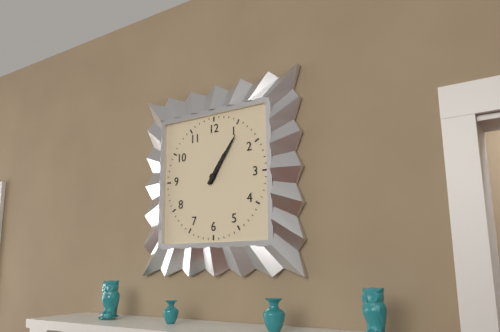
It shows 1,06
